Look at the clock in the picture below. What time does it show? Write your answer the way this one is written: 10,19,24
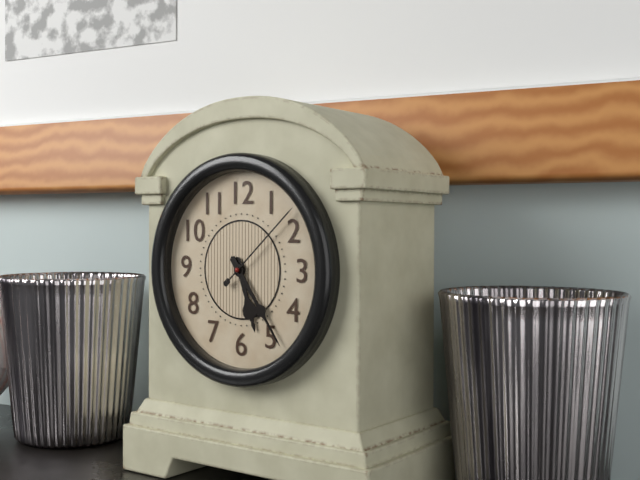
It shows 5,24,08
